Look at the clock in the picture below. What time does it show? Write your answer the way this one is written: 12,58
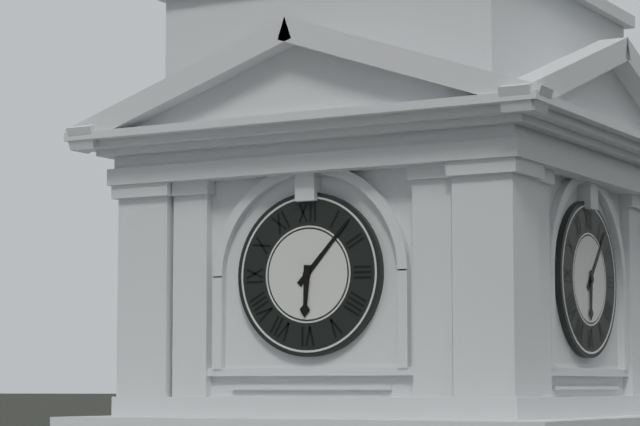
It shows 6,07
